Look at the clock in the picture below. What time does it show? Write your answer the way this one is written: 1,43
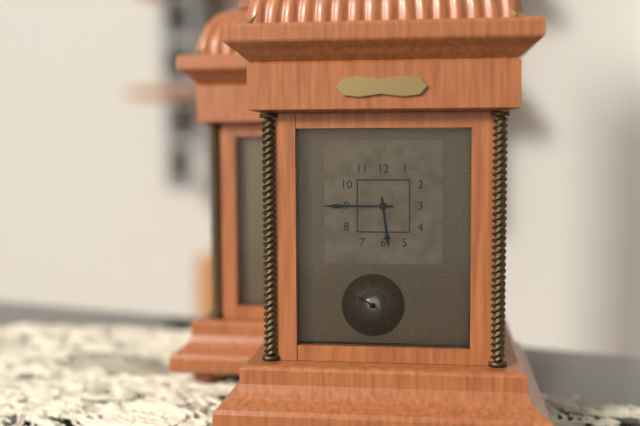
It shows 5,45
